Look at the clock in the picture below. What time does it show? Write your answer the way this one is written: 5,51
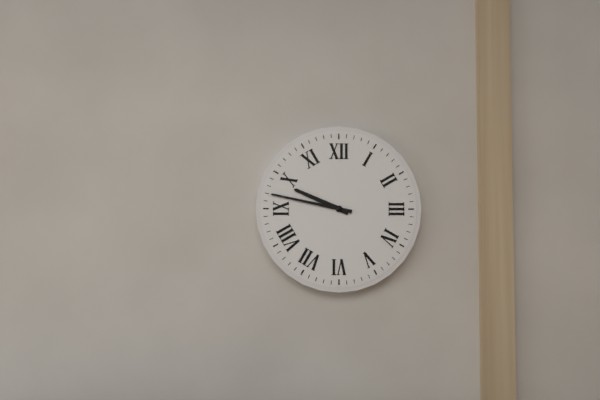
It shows 9,47
